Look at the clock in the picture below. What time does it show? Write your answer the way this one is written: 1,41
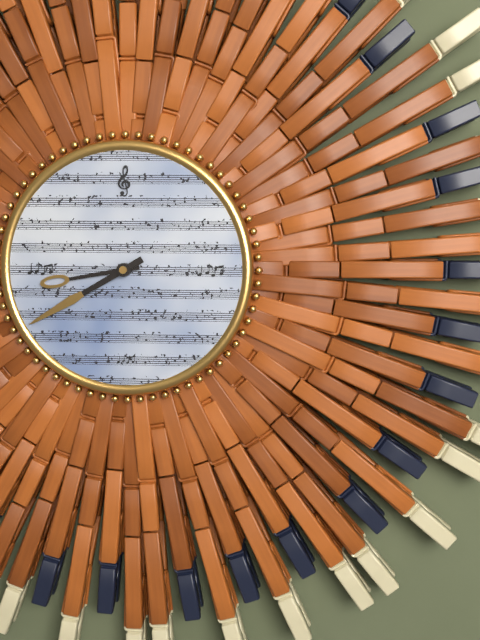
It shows 8,40
